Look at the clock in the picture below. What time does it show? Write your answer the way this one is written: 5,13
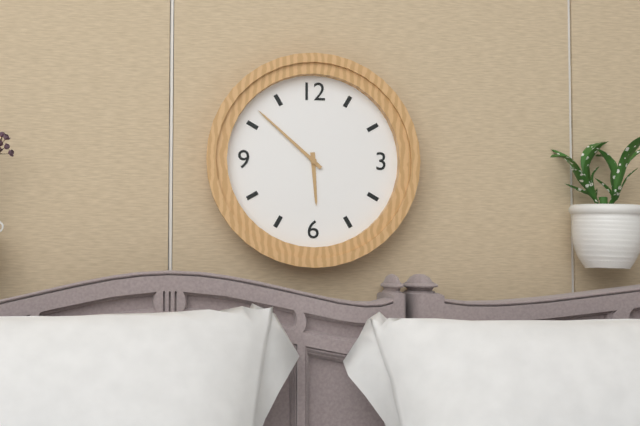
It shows 5,52
